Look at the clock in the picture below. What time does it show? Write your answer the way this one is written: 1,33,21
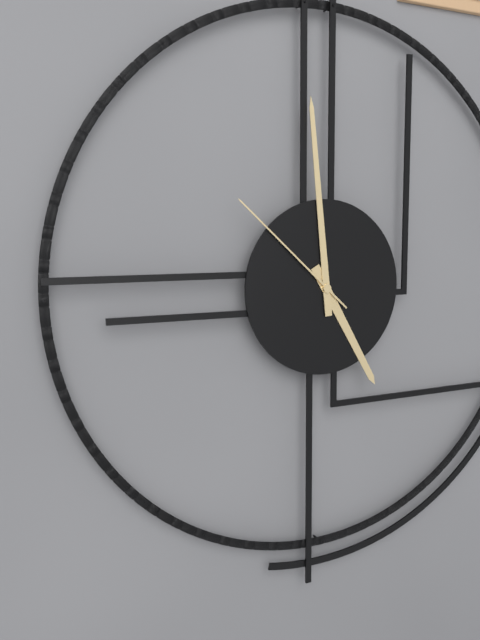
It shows 4,59,52
